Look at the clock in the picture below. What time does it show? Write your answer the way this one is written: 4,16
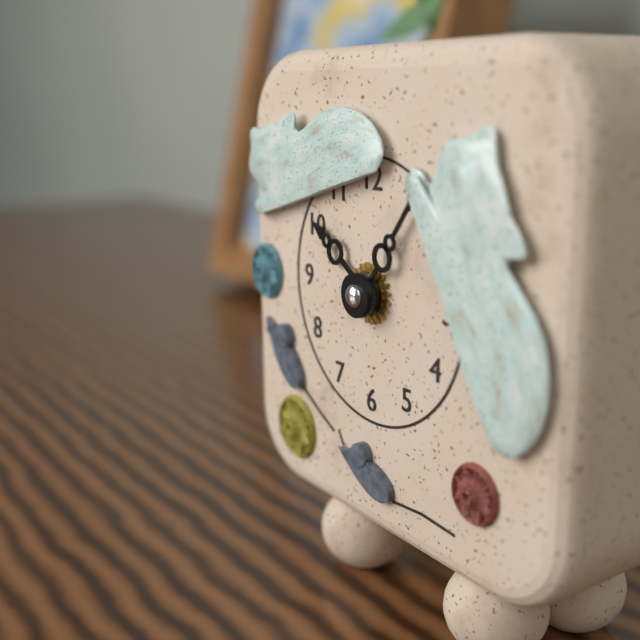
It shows 10,06
